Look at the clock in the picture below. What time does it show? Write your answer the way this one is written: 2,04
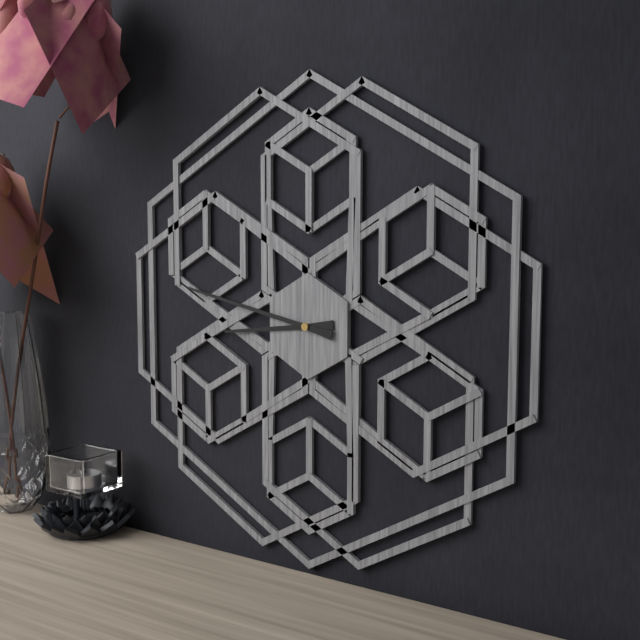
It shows 8,47
